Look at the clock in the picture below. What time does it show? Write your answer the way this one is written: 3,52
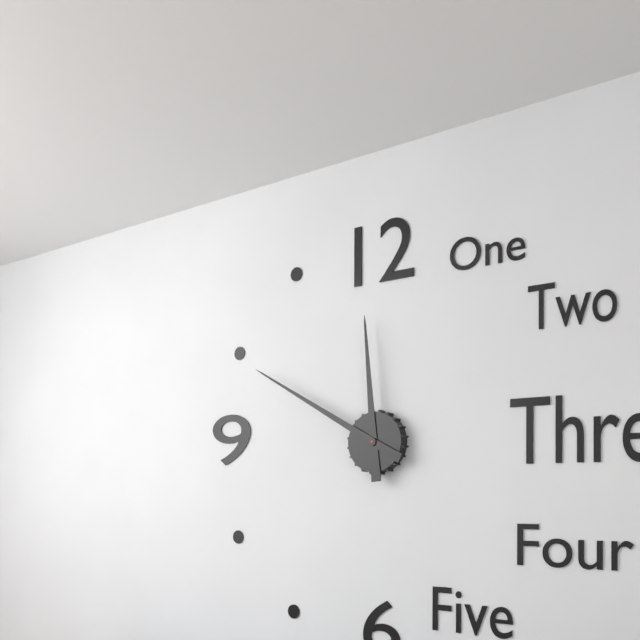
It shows 11,50
